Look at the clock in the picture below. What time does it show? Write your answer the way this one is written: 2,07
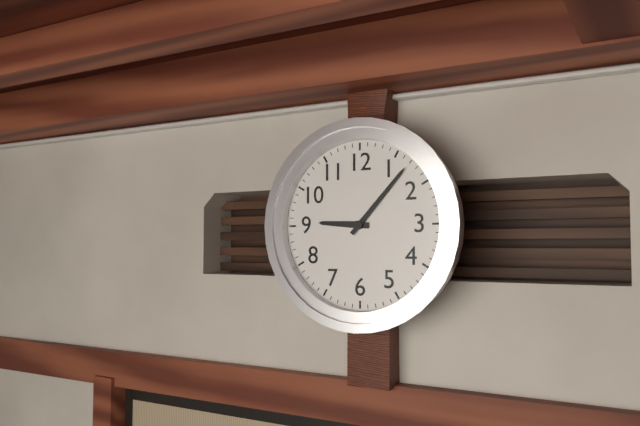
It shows 9,07
